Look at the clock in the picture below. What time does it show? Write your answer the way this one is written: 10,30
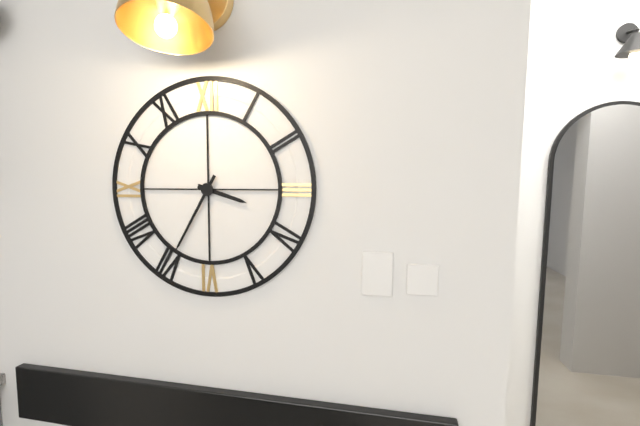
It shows 3,35
